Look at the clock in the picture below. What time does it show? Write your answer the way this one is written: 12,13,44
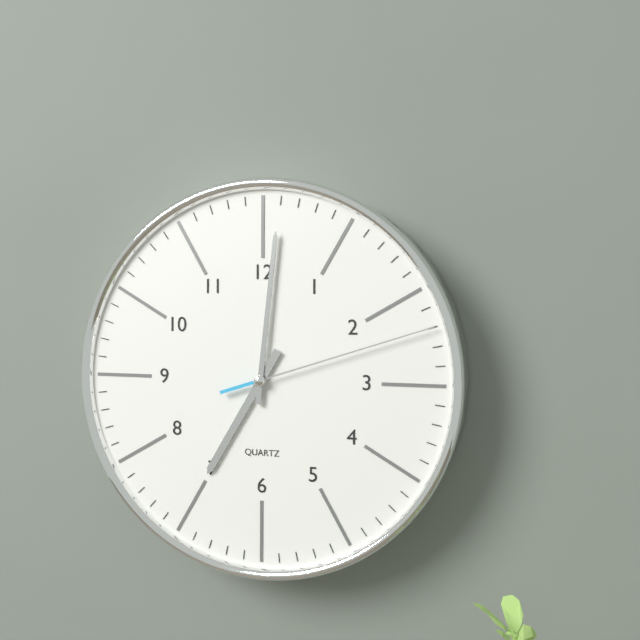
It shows 7,01,12
